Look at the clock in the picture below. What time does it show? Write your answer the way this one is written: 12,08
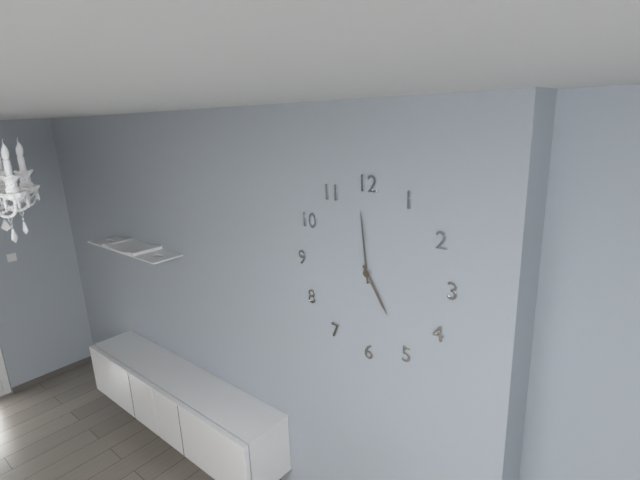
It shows 4,59
